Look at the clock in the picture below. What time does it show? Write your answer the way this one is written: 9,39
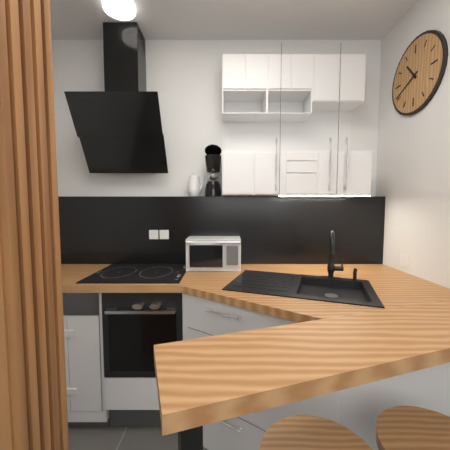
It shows 10,41
